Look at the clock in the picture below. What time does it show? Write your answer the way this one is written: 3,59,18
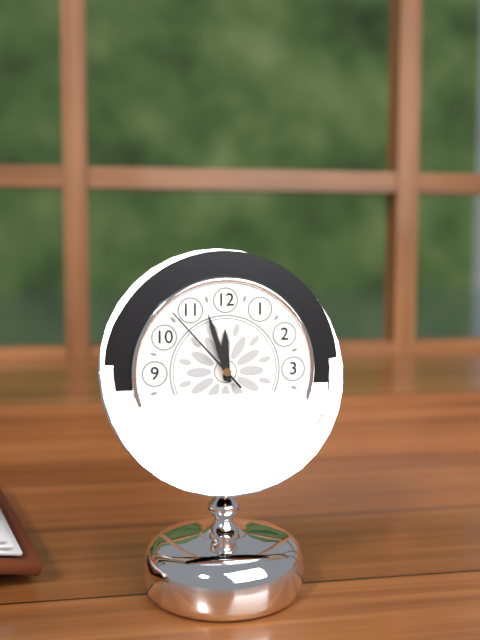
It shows 11,57,53
